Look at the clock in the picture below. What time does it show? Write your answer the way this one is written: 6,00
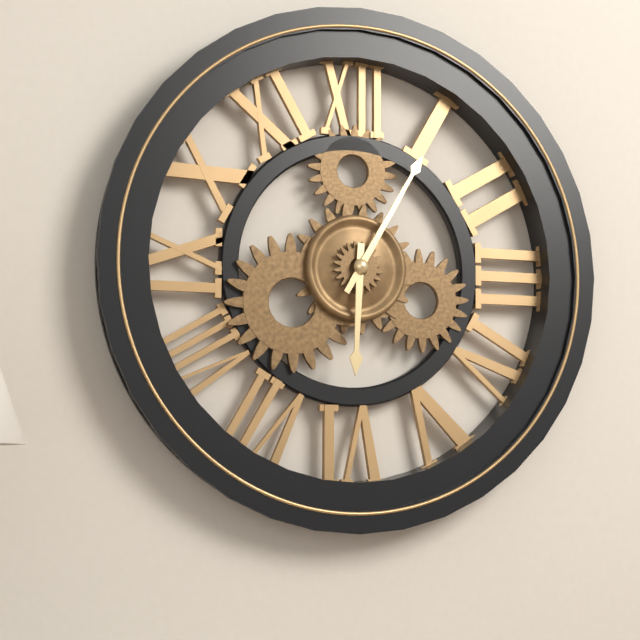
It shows 6,05
